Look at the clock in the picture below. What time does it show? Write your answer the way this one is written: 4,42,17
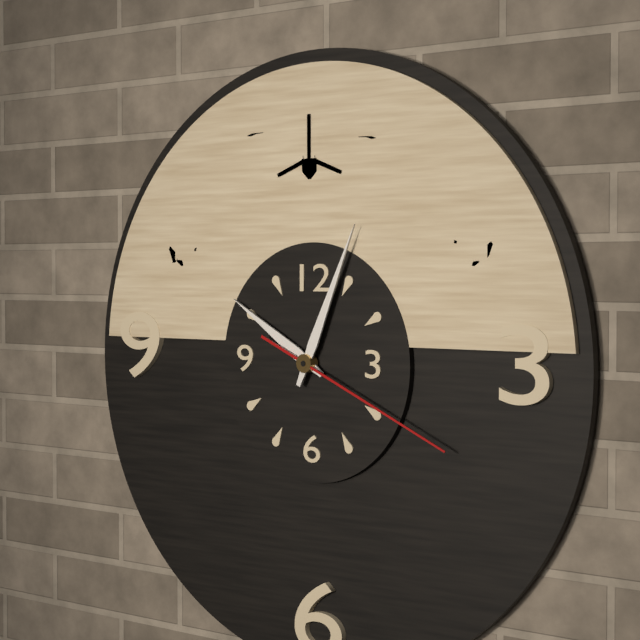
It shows 10,04,19
